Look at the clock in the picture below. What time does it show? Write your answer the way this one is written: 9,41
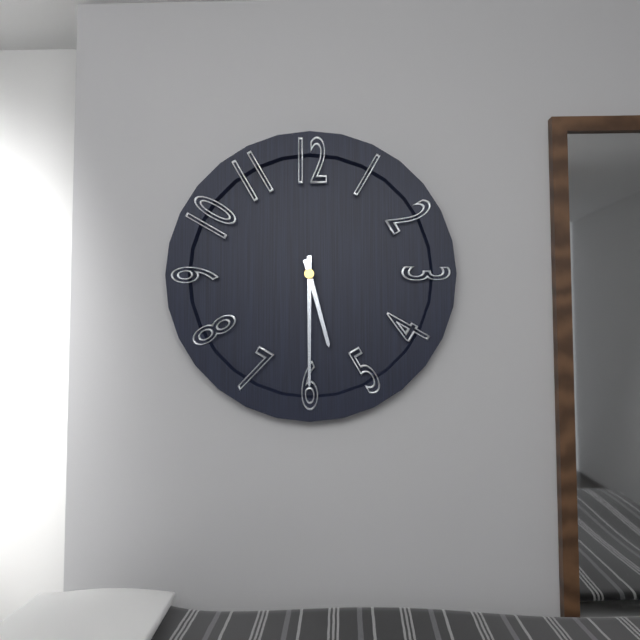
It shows 5,30
